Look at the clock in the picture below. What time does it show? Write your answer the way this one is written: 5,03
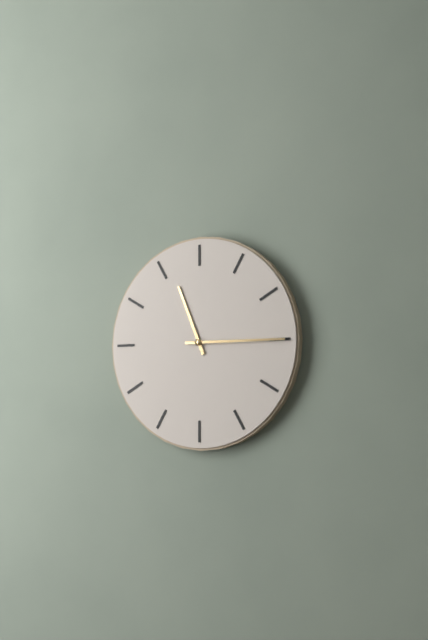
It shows 11,15
